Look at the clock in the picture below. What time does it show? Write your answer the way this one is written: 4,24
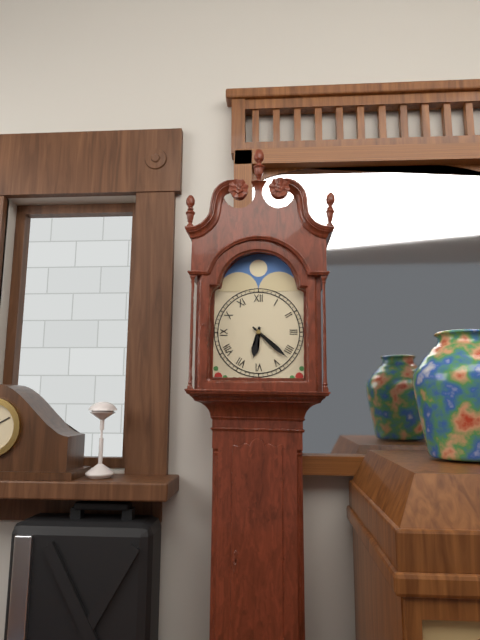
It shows 6,22
